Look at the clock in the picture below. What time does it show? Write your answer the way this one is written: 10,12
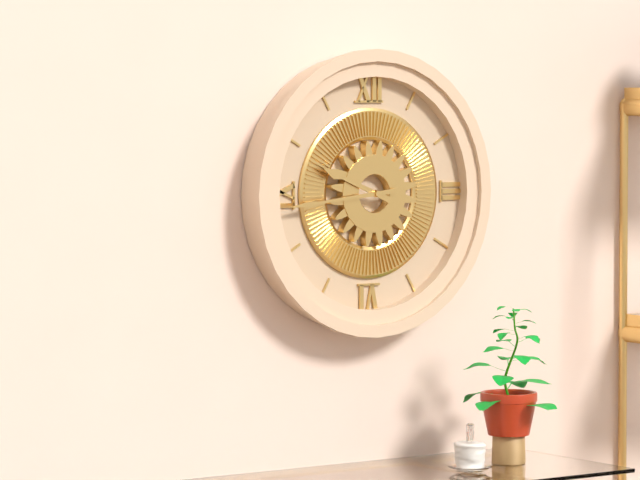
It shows 9,44
